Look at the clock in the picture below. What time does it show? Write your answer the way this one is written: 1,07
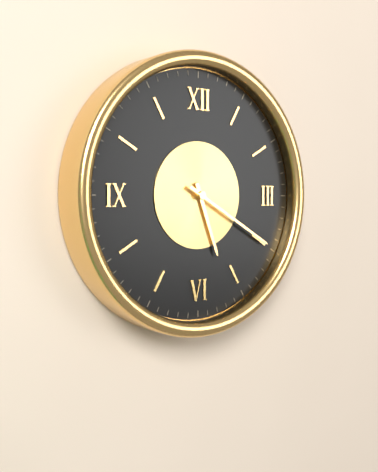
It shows 5,20
